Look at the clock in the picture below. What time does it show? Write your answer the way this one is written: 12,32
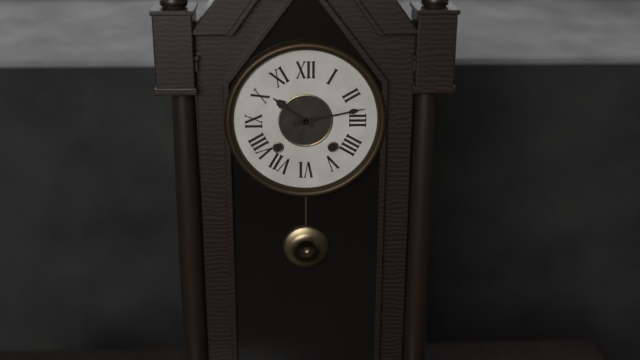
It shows 10,13
